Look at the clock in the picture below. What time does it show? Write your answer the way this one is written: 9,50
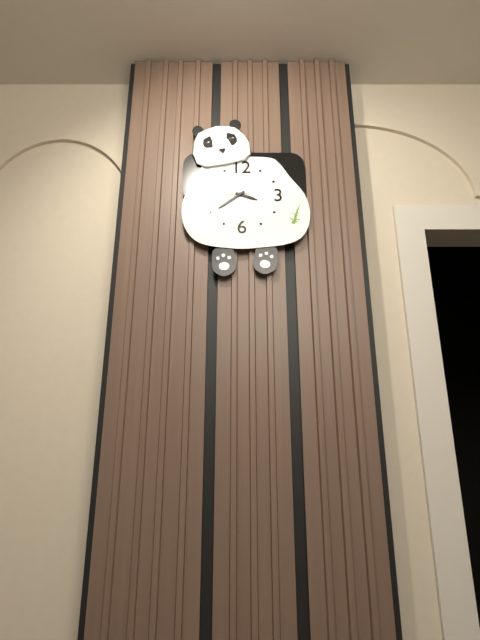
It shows 3,39
